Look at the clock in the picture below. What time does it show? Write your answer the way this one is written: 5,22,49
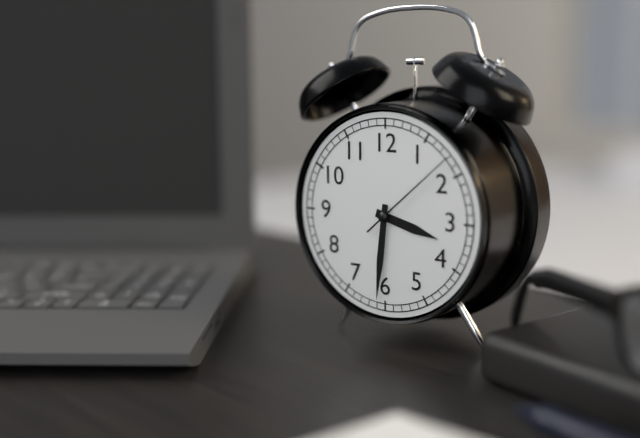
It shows 3,31,08
